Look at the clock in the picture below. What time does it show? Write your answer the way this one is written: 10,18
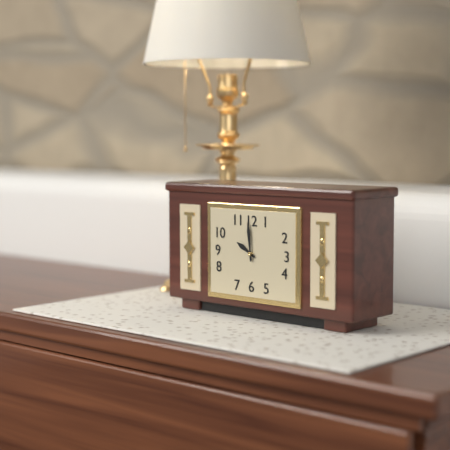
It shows 9,59
